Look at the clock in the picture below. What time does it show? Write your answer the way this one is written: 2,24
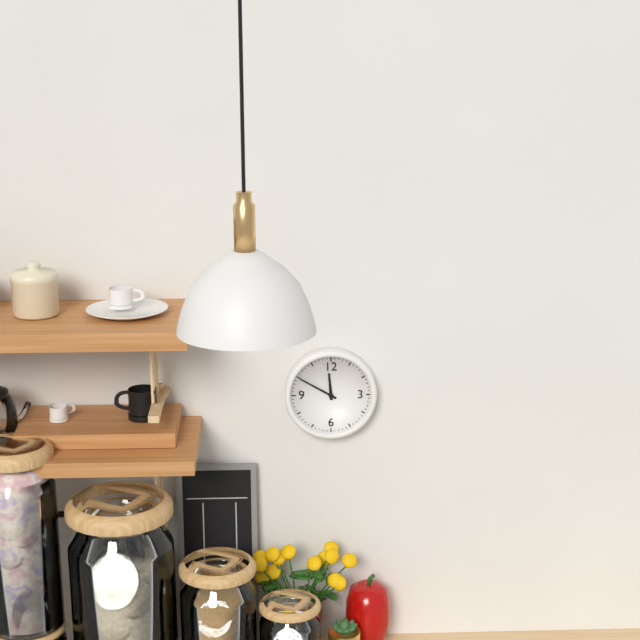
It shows 11,50
